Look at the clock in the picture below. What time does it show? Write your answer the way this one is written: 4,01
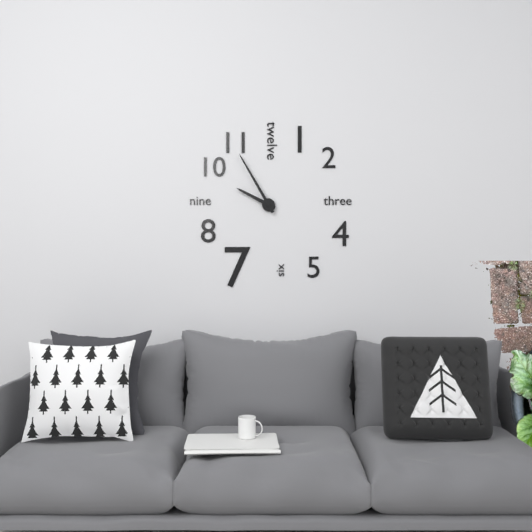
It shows 9,55
